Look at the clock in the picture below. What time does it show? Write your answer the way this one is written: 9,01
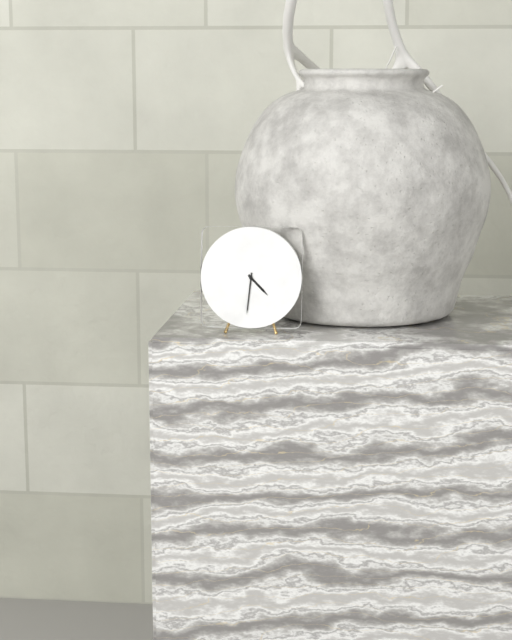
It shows 4,31
